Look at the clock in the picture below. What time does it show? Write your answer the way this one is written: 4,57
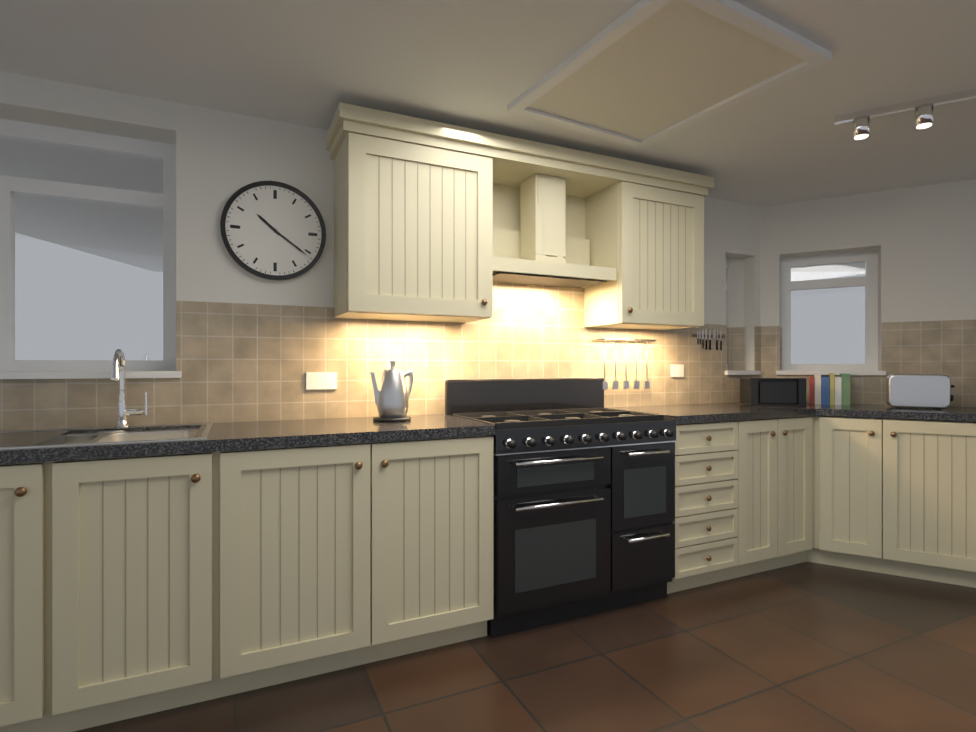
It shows 10,21
